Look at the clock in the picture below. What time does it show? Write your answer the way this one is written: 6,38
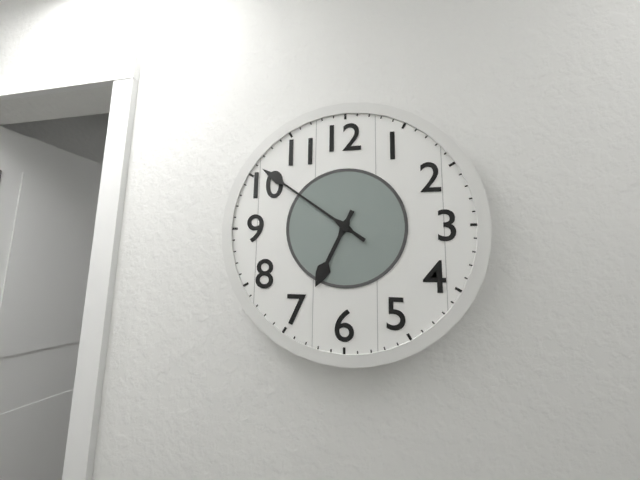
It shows 6,51
